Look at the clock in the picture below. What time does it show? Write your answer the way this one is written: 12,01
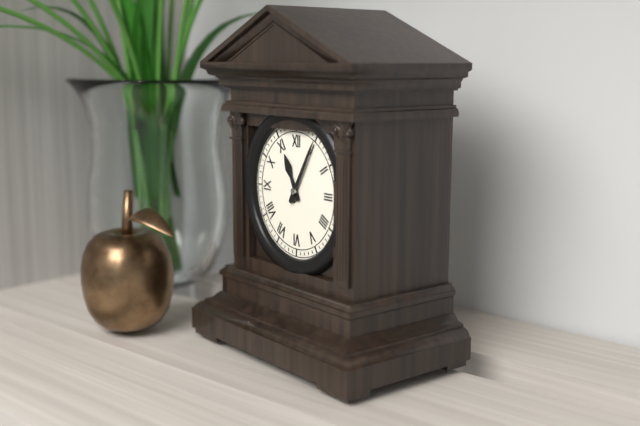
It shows 11,05
